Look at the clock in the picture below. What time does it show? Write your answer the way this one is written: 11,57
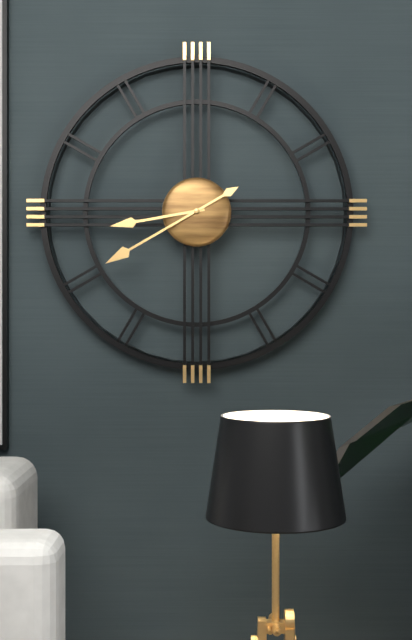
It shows 8,40
